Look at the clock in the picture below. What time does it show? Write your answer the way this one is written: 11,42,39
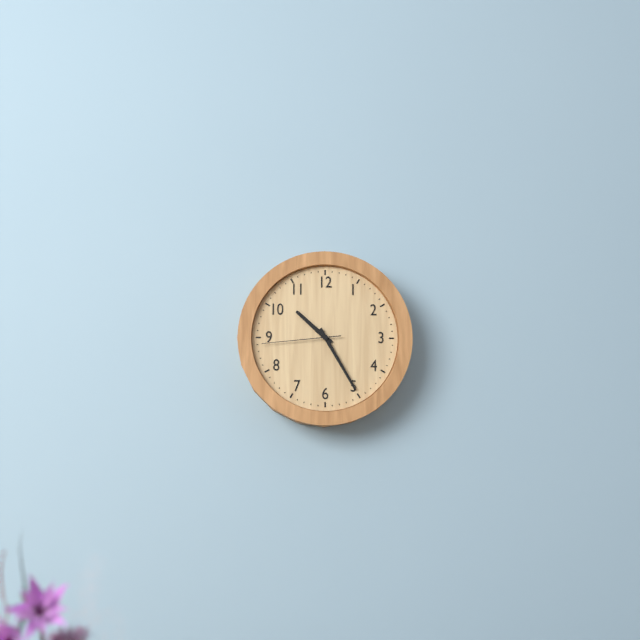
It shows 10,25,44
